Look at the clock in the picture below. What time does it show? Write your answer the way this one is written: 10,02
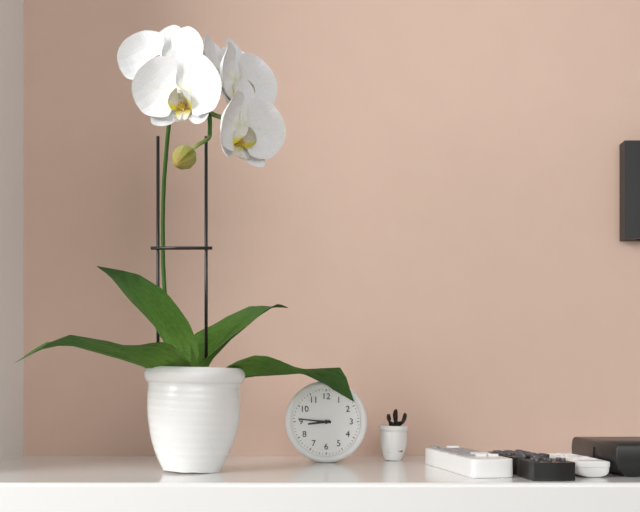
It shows 8,46
